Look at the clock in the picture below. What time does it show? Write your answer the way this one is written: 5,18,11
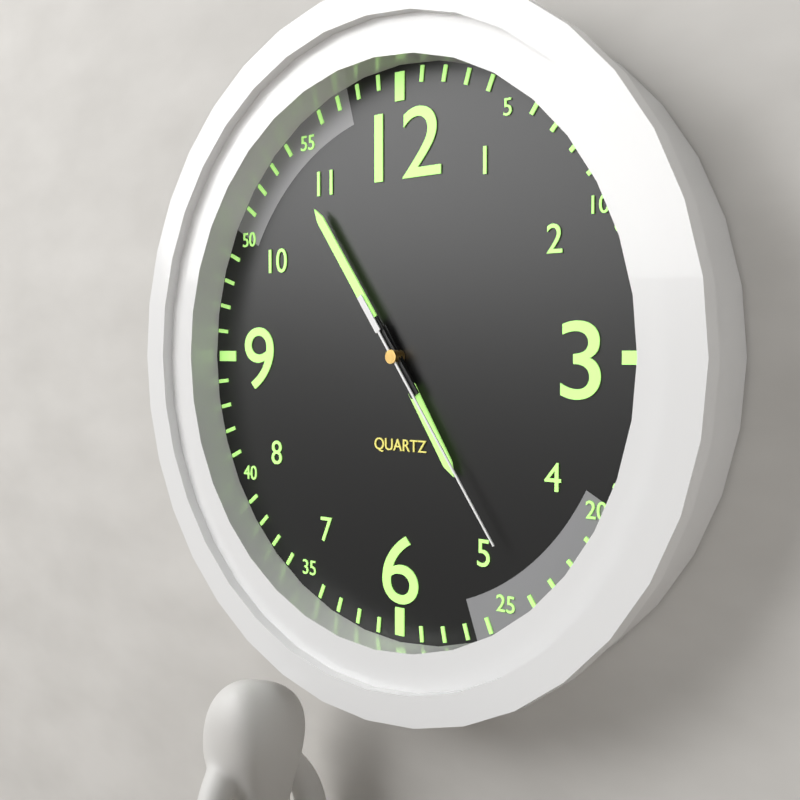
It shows 4,54,24
